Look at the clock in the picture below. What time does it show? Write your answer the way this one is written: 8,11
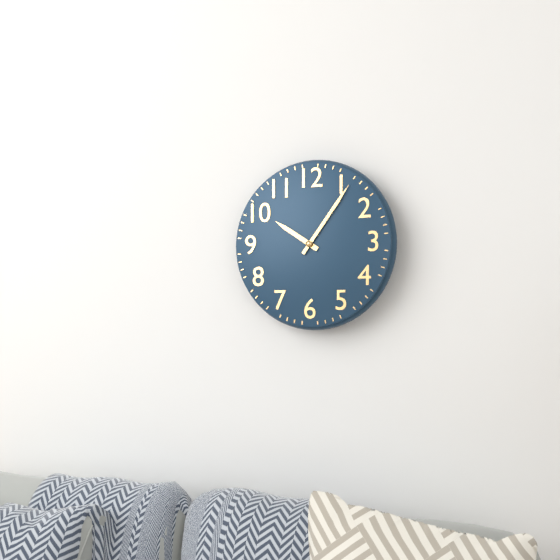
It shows 10,06
